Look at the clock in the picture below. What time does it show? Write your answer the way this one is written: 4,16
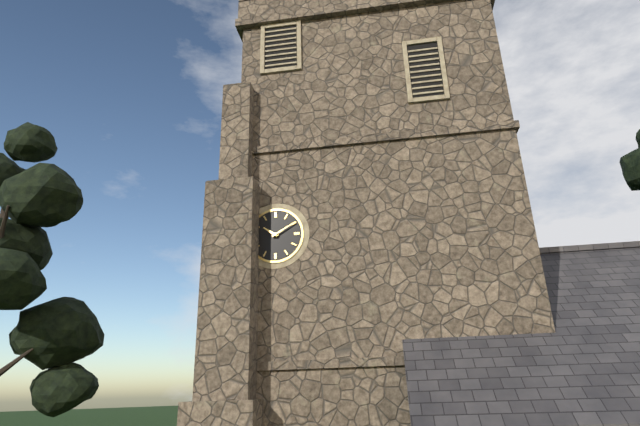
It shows 10,10
